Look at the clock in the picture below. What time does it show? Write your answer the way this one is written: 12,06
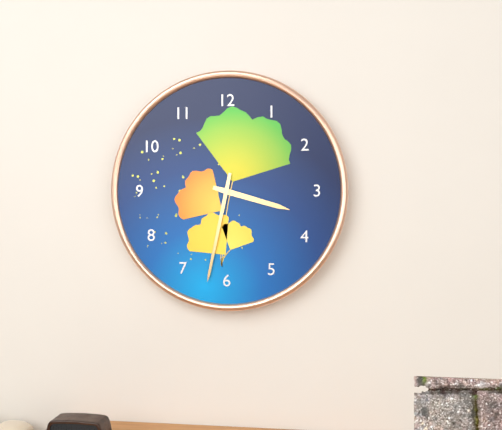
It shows 3,32
